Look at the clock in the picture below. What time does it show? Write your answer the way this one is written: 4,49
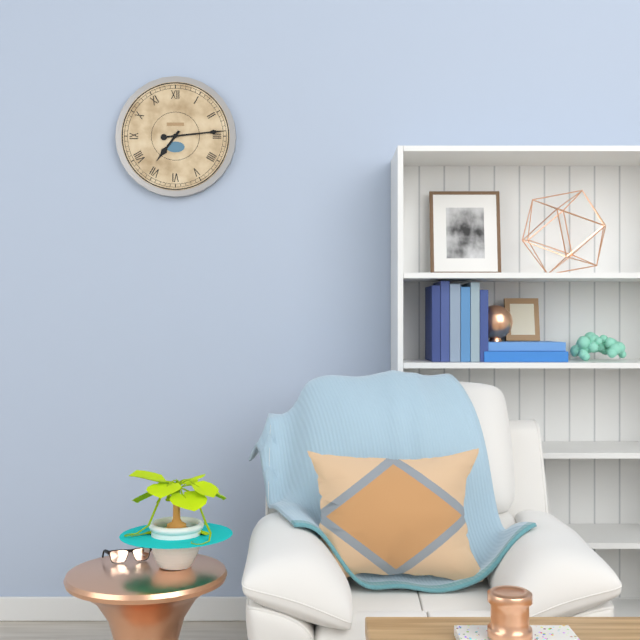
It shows 7,14
